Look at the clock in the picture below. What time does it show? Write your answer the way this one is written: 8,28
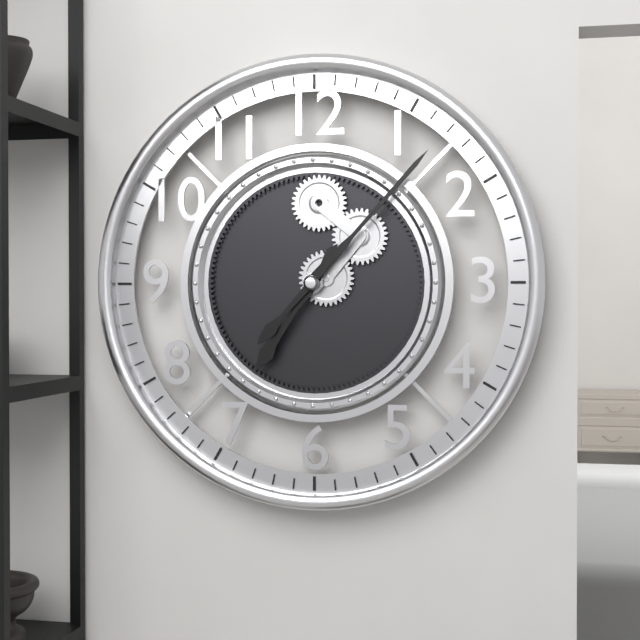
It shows 7,07
